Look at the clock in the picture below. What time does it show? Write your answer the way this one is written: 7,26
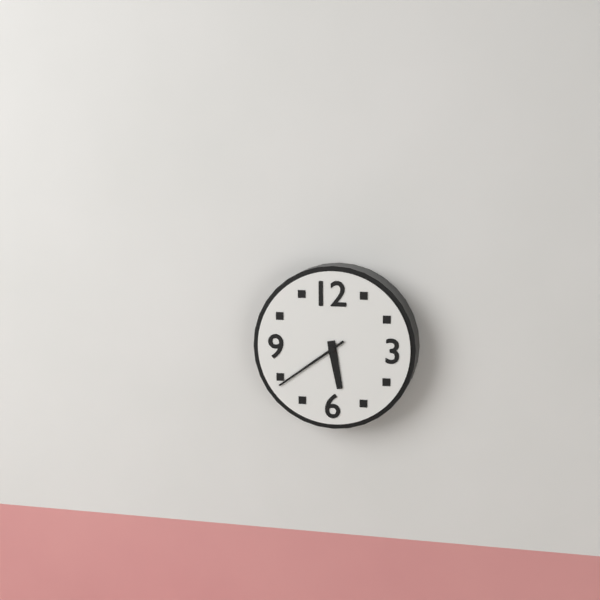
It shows 5,39
